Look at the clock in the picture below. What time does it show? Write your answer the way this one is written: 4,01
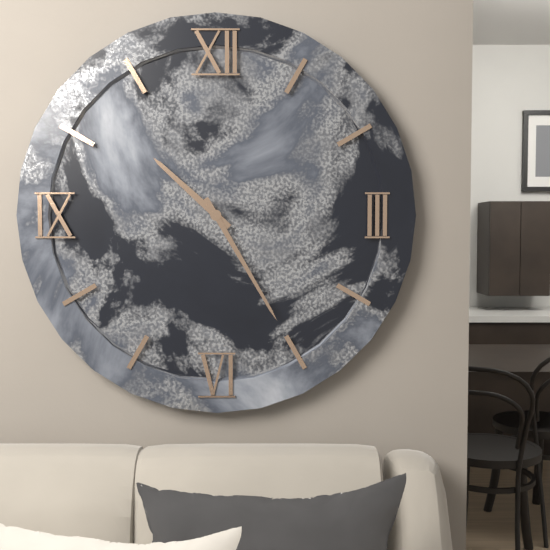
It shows 10,25
